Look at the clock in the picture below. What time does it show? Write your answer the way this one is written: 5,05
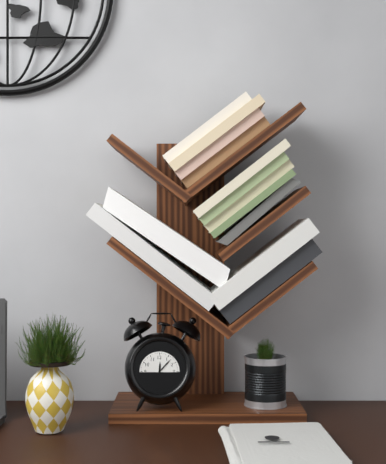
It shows 12,07
